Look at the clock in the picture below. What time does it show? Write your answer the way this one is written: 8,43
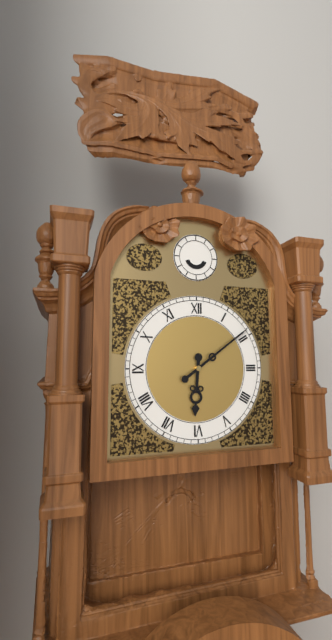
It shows 6,09
